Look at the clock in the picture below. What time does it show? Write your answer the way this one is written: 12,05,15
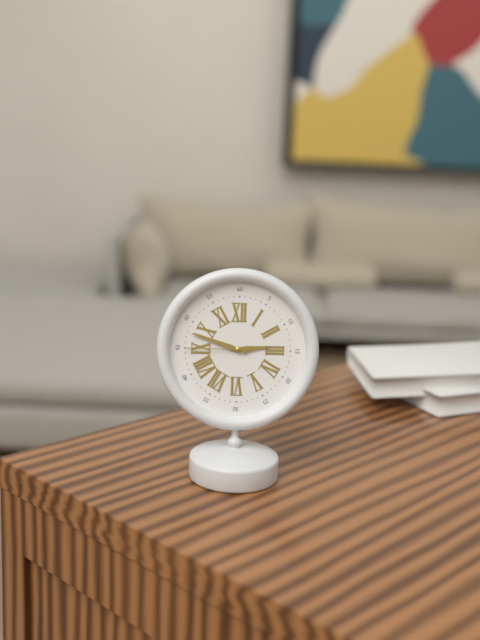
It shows 2,48,45
